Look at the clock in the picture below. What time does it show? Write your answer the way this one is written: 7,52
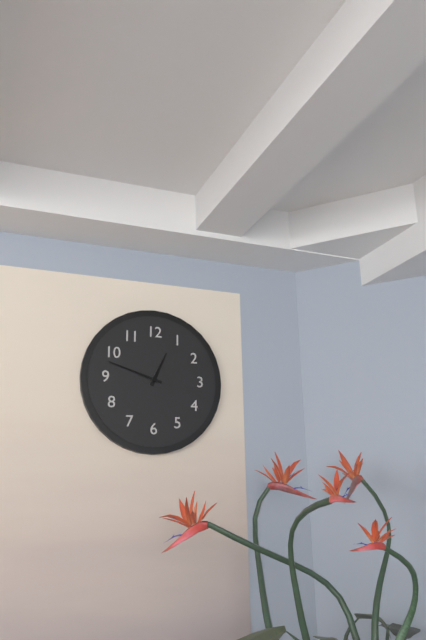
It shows 12,48
